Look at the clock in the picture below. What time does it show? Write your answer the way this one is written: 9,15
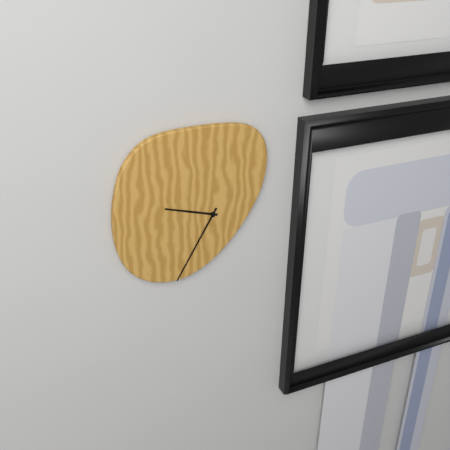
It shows 9,35
